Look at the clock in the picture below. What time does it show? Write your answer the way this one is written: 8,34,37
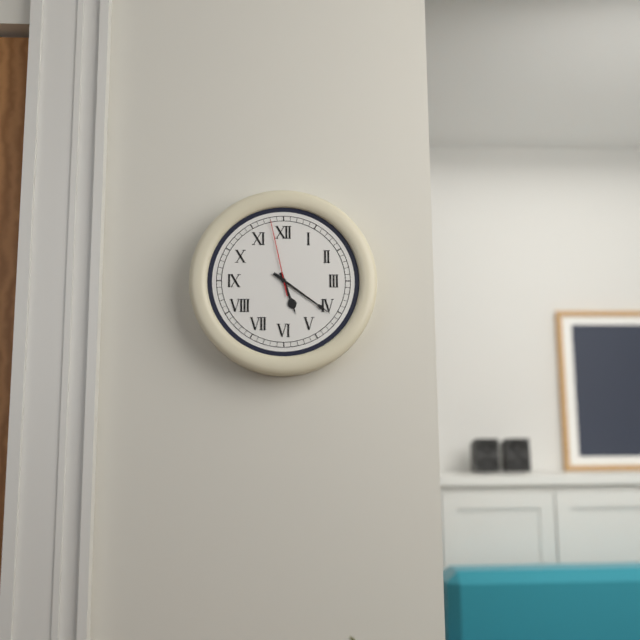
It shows 5,21,58
